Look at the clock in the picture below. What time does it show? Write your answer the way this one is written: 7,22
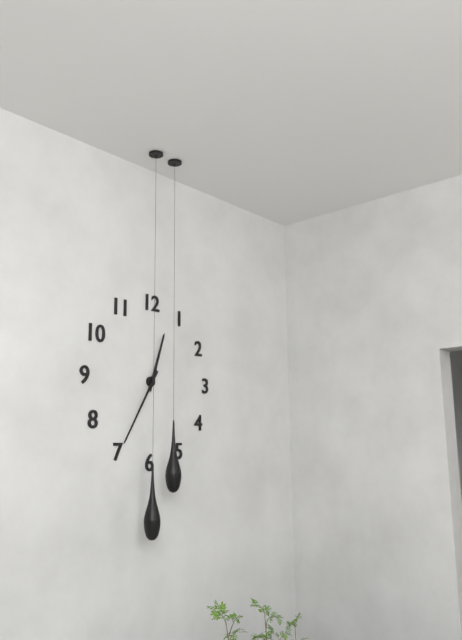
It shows 12,35
